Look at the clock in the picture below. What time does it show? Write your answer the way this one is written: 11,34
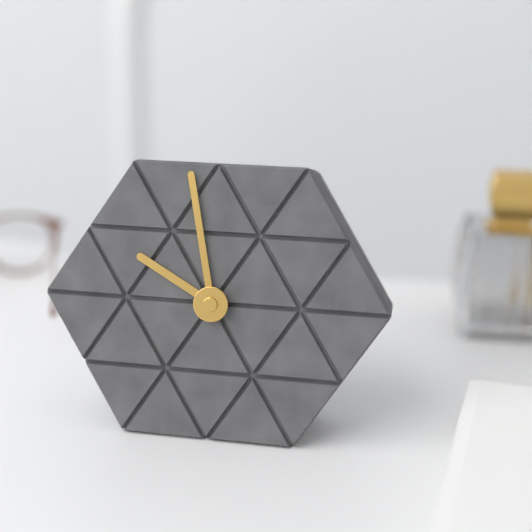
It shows 9,58
